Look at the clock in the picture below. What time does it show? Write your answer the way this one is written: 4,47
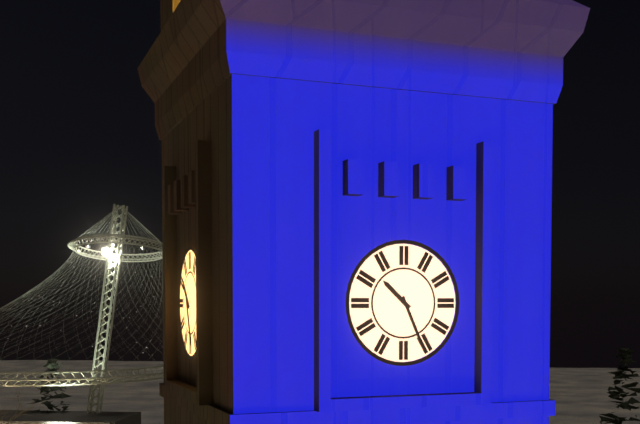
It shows 10,26
